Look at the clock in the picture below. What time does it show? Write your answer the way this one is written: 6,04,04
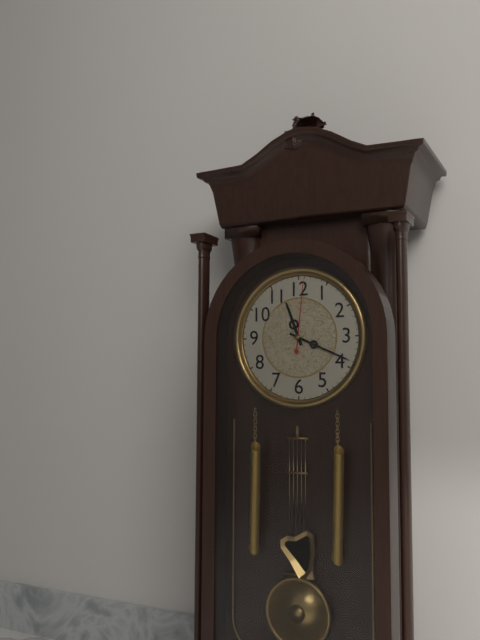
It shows 11,19,01
